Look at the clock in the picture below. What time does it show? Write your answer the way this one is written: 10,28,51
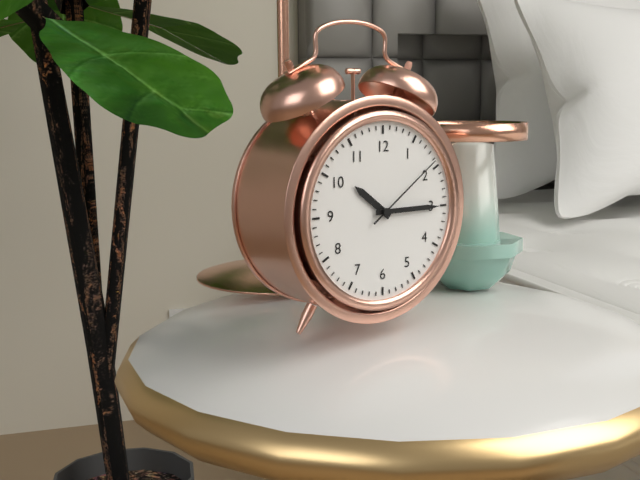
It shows 10,15,09
